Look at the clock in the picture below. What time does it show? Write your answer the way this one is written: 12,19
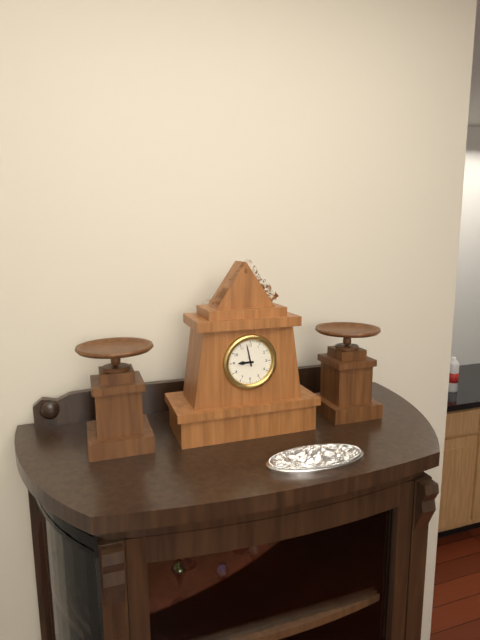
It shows 8,58
